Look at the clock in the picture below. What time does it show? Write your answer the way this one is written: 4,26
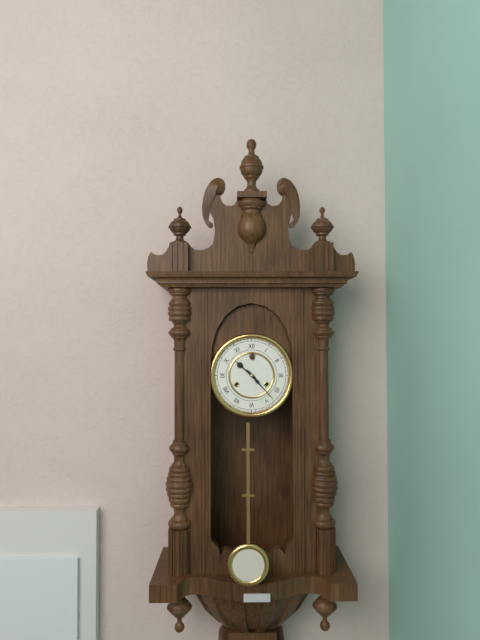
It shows 10,23
